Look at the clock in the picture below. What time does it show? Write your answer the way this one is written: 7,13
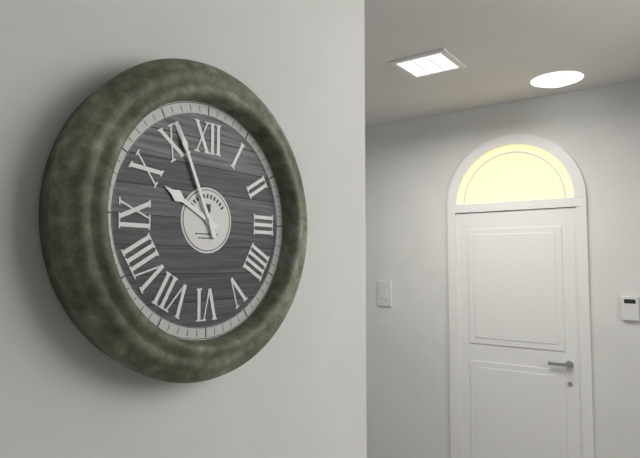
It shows 9,56
